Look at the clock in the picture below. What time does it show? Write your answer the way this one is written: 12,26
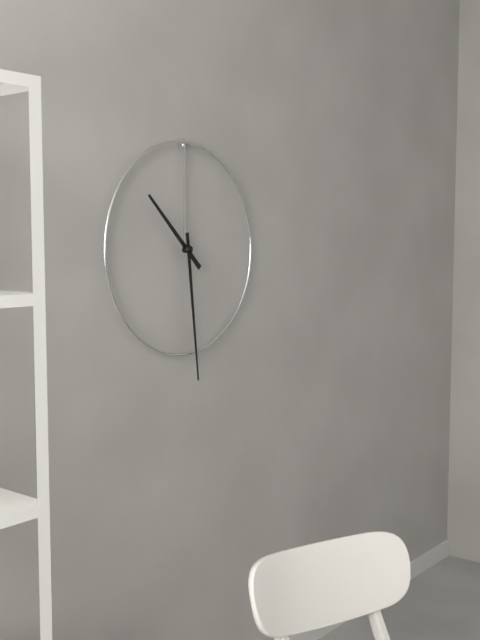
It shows 10,29
